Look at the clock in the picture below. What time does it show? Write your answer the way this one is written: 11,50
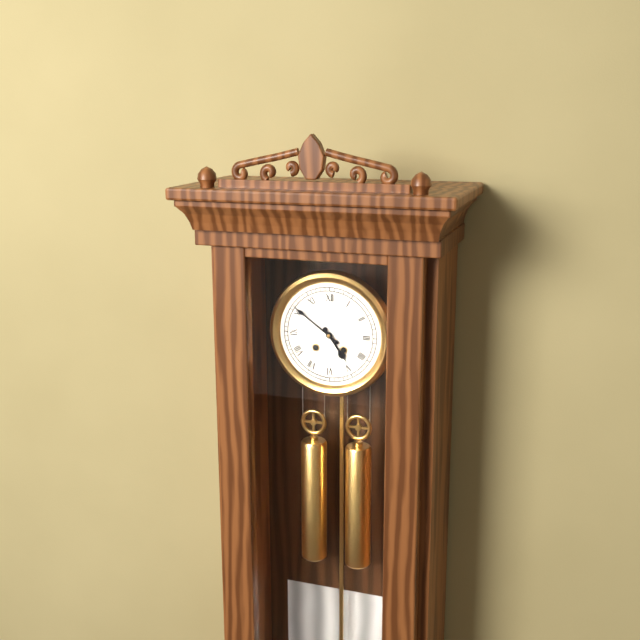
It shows 4,51
